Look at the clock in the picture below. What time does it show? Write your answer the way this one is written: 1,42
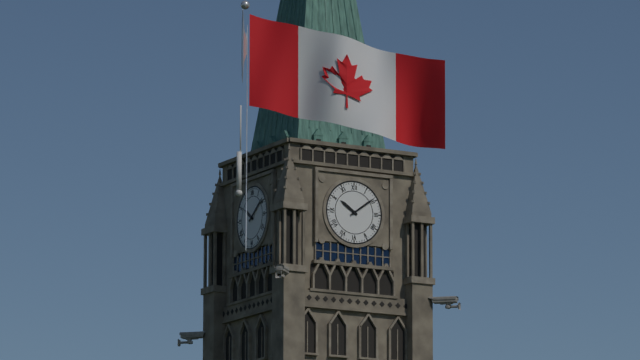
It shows 10,09
